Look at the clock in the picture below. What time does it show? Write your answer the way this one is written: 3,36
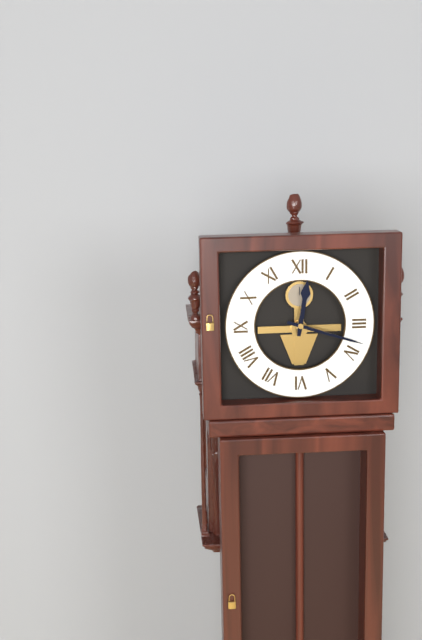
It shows 12,18
